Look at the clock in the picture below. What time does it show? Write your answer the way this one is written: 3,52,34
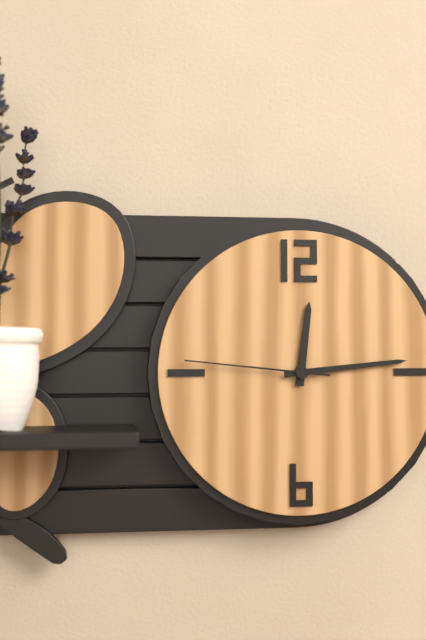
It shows 12,14,46
